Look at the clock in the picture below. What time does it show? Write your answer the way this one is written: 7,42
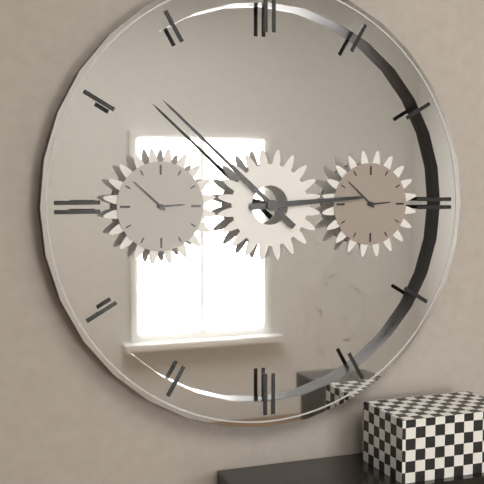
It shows 2,52
